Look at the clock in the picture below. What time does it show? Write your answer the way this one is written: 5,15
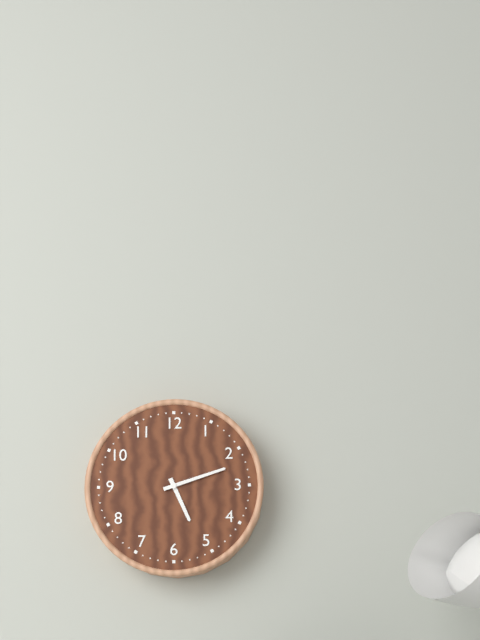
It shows 5,12
